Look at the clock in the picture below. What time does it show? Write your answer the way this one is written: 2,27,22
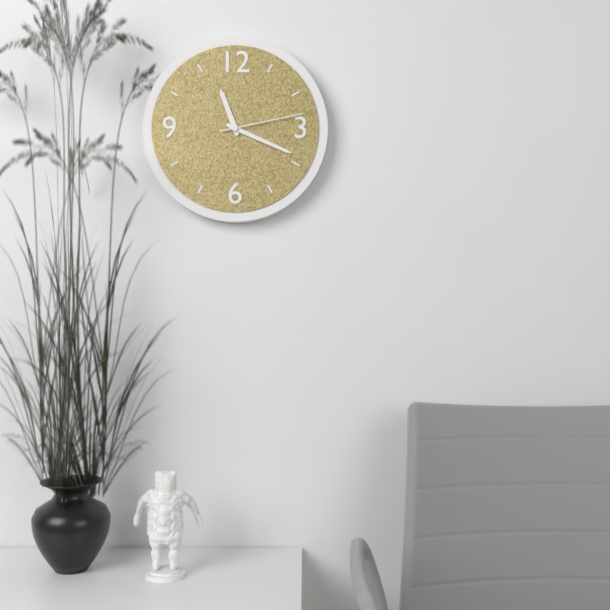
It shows 11,19,13
